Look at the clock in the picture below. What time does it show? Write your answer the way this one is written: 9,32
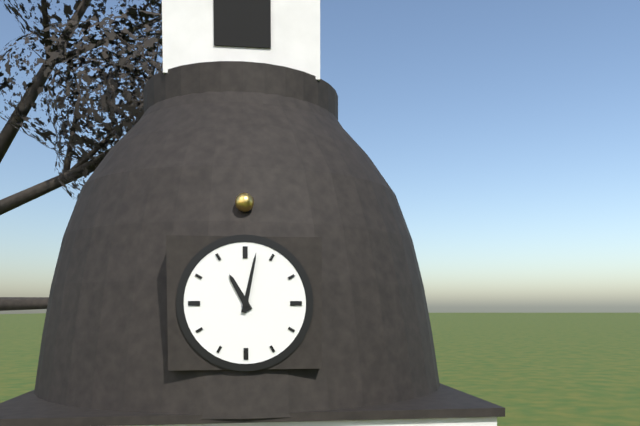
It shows 11,02
